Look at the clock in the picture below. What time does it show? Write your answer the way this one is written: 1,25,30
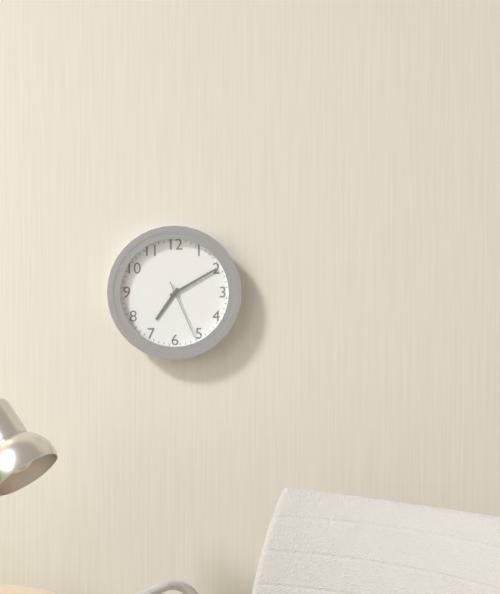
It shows 7,10,26
